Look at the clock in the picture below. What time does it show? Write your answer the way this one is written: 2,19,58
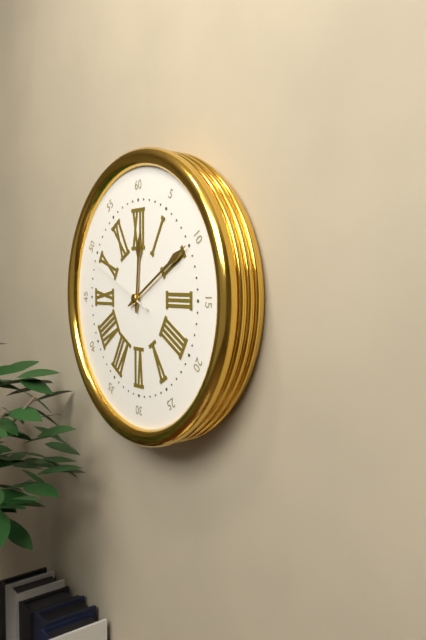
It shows 12,10,49
